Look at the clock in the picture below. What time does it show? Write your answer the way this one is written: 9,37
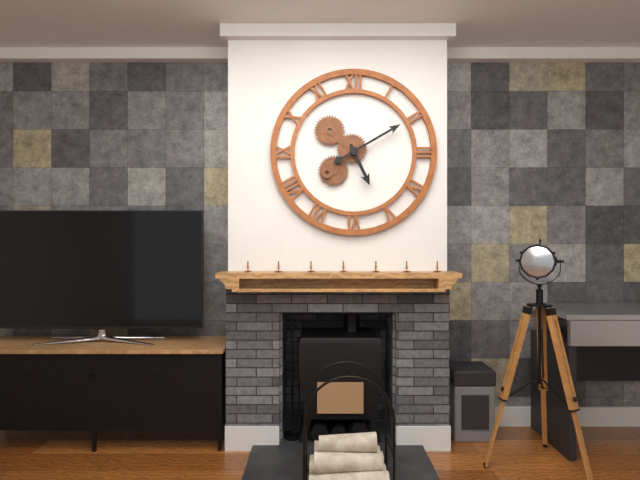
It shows 5,10
